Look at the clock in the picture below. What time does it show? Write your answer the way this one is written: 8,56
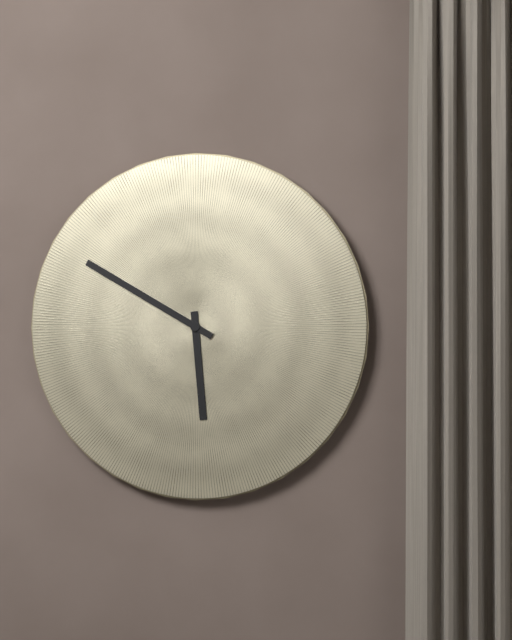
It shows 5,50
